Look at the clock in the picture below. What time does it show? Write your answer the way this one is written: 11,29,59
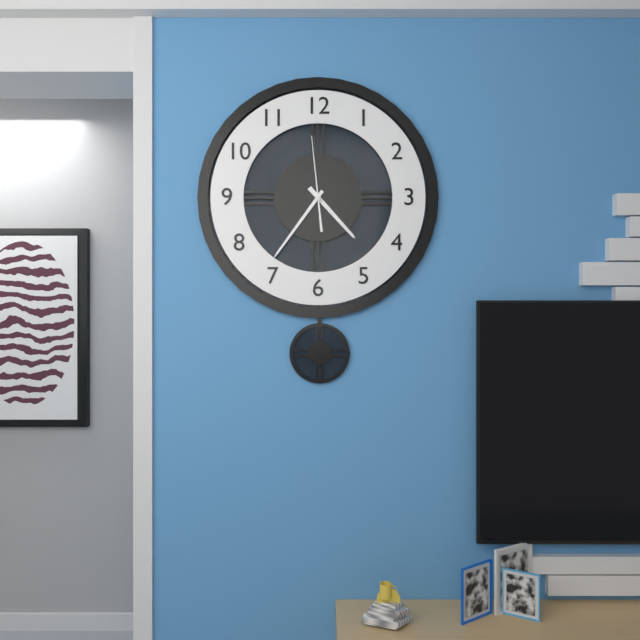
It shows 4,36,59
